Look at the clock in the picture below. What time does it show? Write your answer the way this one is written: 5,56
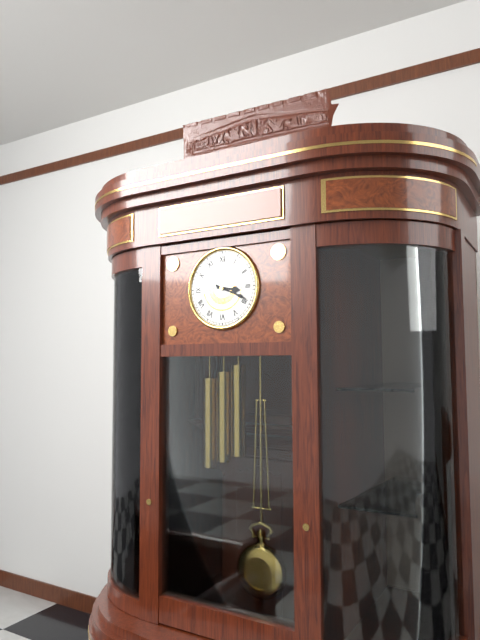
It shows 3,19
